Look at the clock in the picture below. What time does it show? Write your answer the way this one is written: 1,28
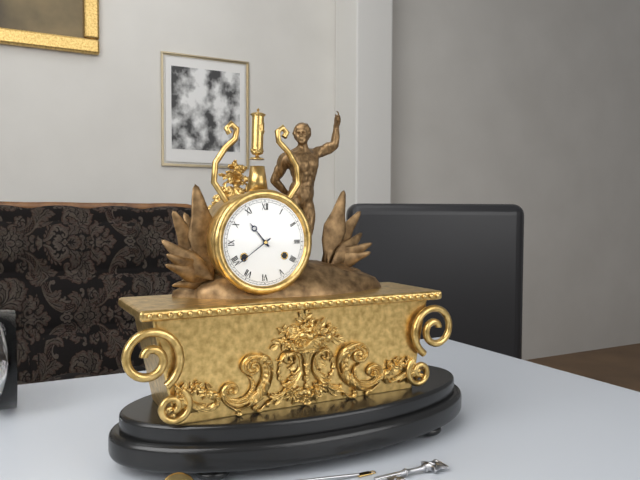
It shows 10,39
